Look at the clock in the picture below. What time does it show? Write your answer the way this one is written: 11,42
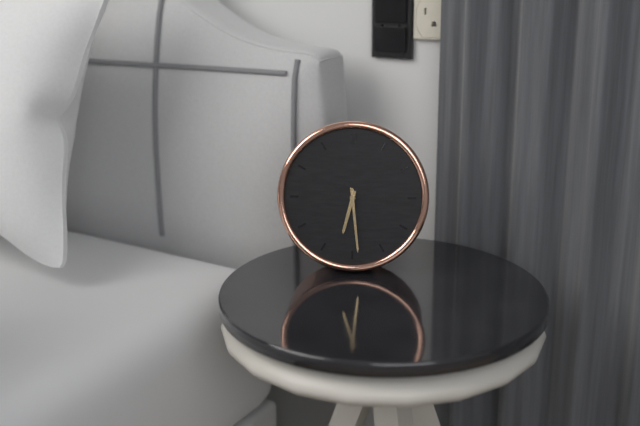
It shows 6,29
